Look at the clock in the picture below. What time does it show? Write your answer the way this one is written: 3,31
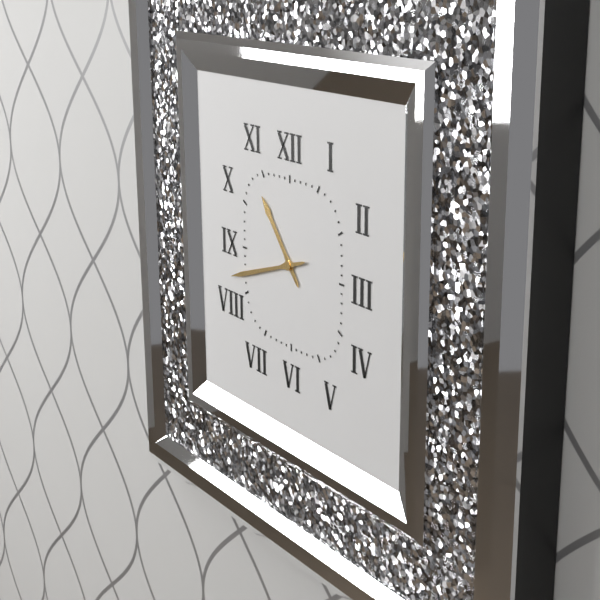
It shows 10,42
